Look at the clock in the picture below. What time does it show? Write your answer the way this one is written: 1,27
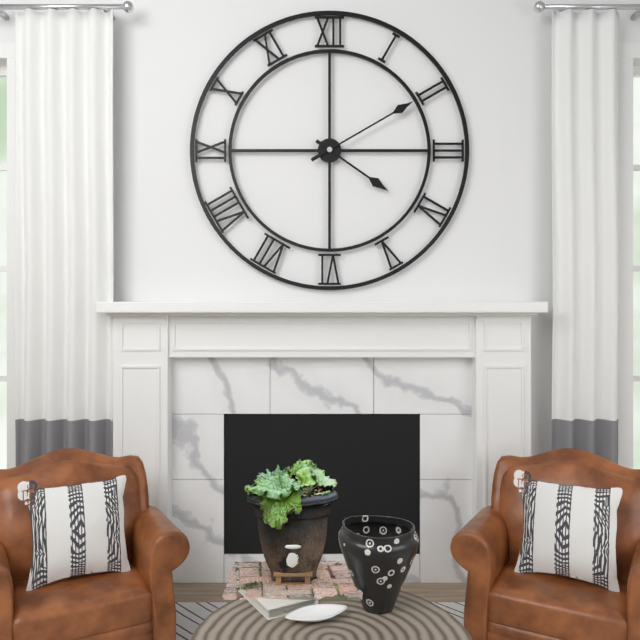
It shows 4,10
